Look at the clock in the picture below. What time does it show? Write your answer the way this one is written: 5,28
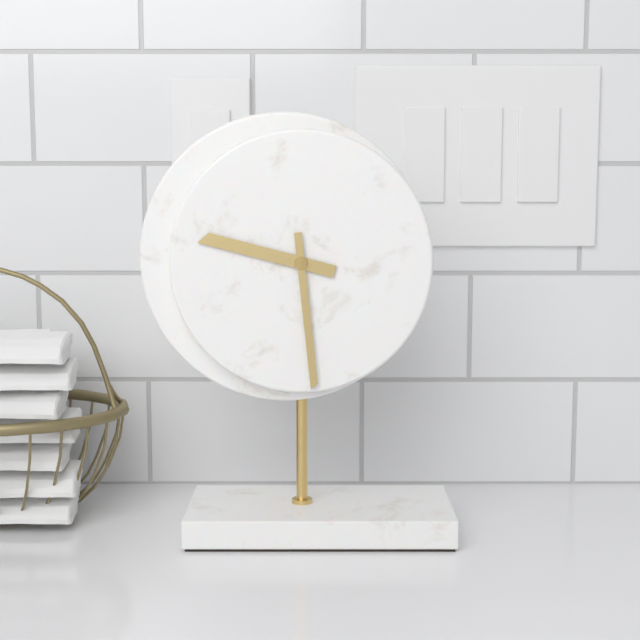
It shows 9,29
